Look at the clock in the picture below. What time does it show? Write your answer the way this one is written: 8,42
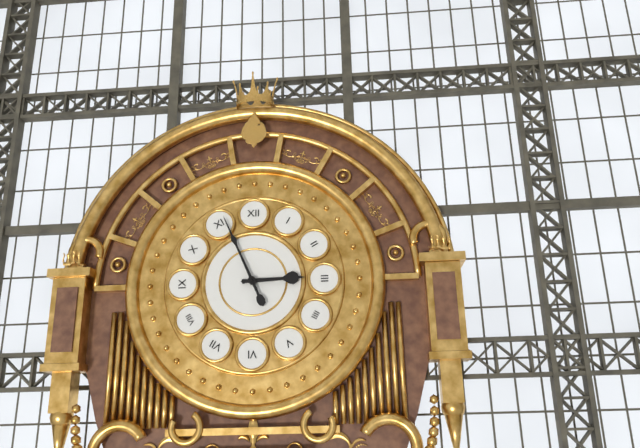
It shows 2,56
